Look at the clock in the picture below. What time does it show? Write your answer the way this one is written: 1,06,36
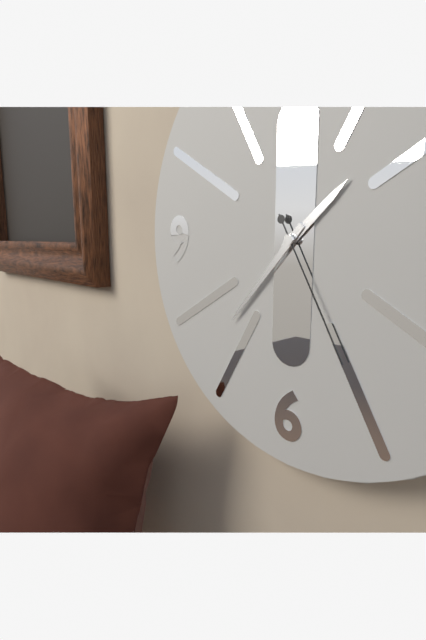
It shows 1,37,25
